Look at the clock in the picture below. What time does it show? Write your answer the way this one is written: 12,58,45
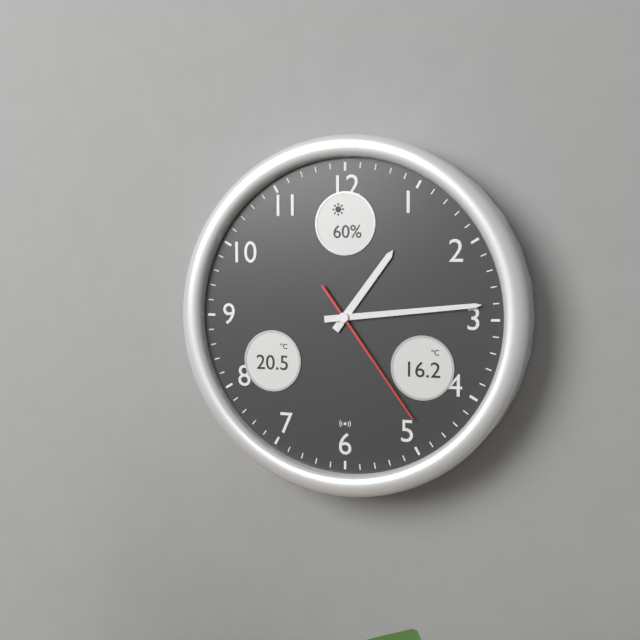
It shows 1,14,24
